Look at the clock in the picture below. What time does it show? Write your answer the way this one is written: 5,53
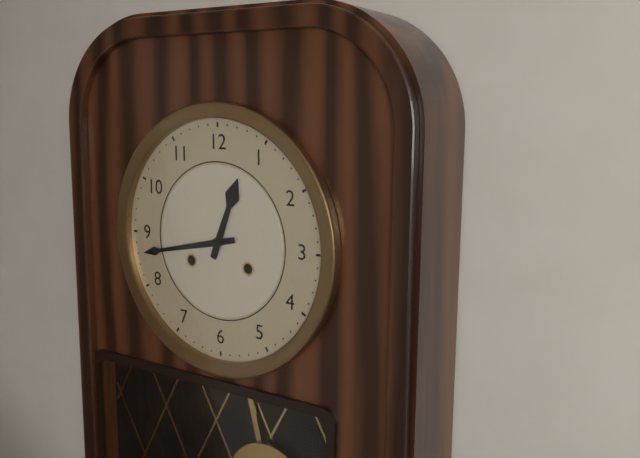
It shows 12,43
